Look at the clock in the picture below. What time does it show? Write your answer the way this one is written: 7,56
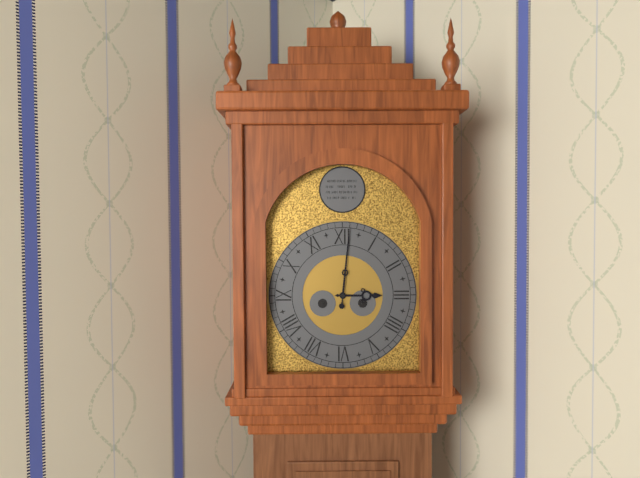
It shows 3,01
